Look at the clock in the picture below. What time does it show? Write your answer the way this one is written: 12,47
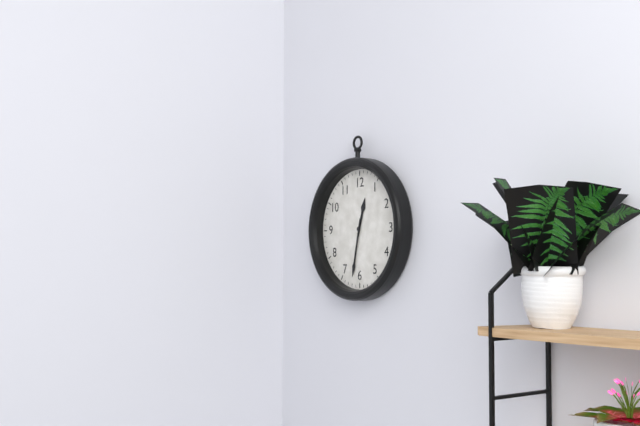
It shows 12,32
